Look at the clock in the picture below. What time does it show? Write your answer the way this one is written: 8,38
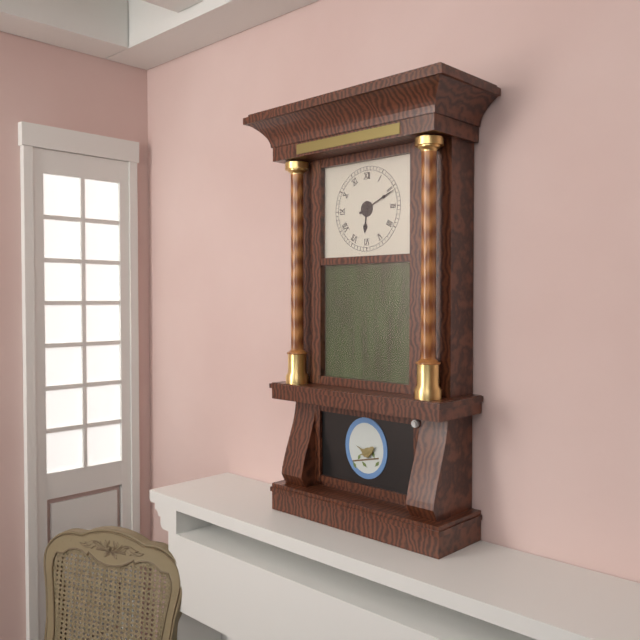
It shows 6,11
